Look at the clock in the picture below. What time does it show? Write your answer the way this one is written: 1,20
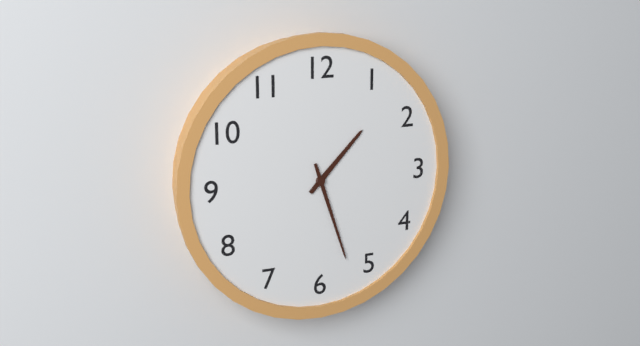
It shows 1,27
